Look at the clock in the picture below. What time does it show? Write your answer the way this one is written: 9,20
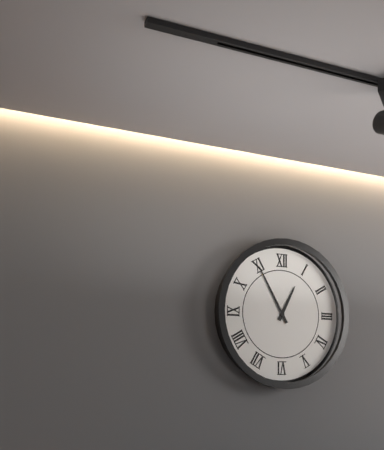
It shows 12,55
